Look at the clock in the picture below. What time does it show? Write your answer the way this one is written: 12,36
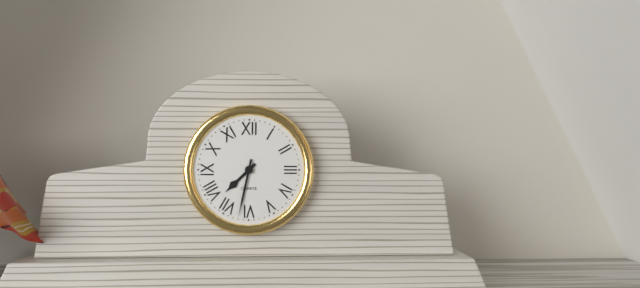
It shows 7,32
